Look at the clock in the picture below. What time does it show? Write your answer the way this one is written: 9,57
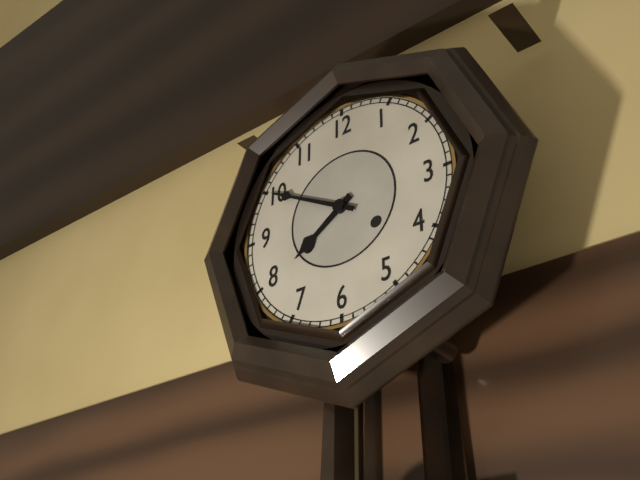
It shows 7,50
